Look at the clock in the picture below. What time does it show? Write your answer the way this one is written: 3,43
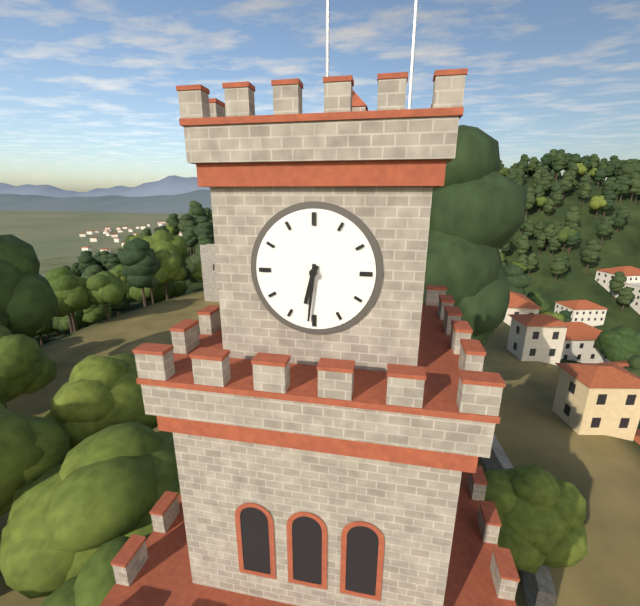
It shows 6,31
